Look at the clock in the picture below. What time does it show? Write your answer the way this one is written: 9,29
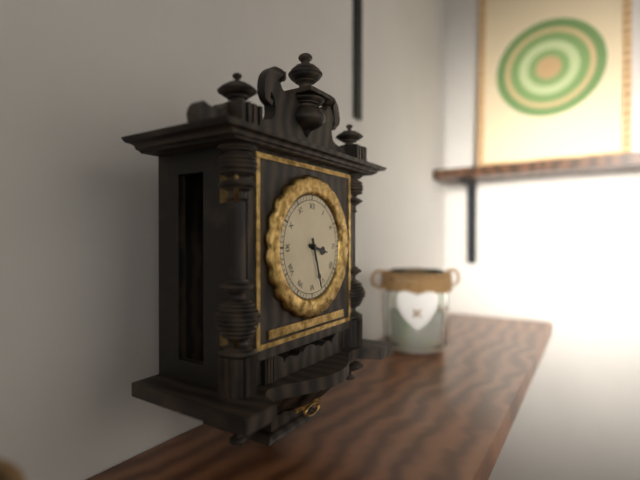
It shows 3,27
